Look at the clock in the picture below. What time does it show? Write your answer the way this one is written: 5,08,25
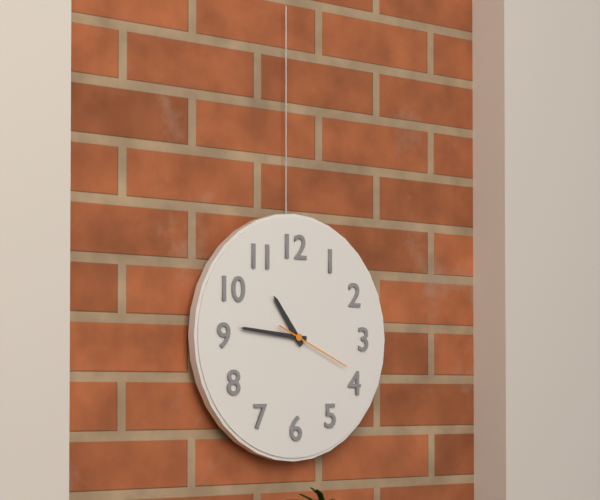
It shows 10,46,19
